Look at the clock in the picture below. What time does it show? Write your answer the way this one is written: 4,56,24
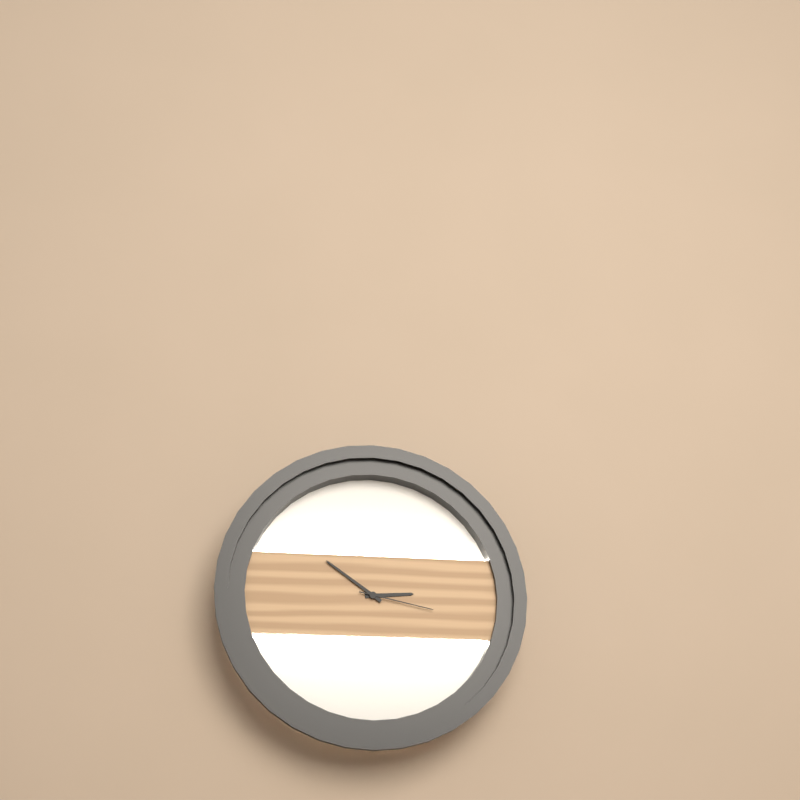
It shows 2,51,17
